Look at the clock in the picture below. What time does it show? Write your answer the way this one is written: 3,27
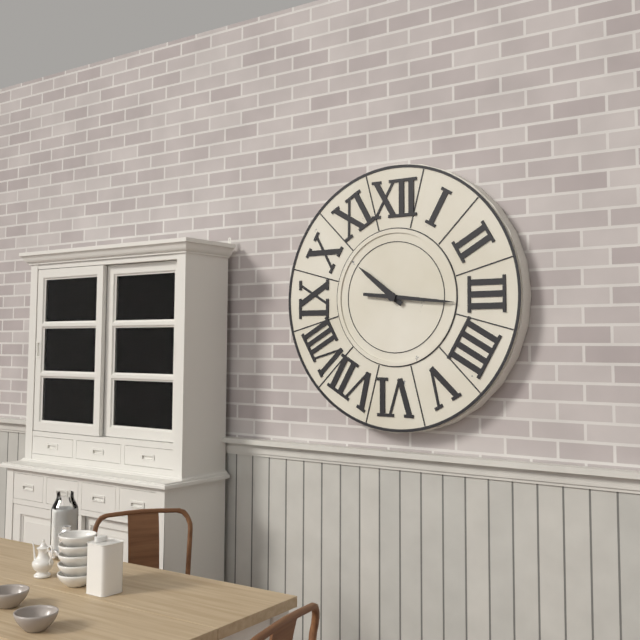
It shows 10,16
